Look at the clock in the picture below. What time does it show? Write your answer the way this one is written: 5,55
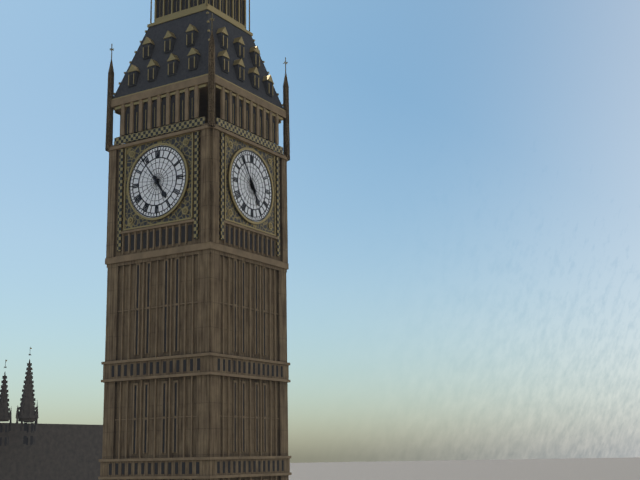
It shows 4,54
